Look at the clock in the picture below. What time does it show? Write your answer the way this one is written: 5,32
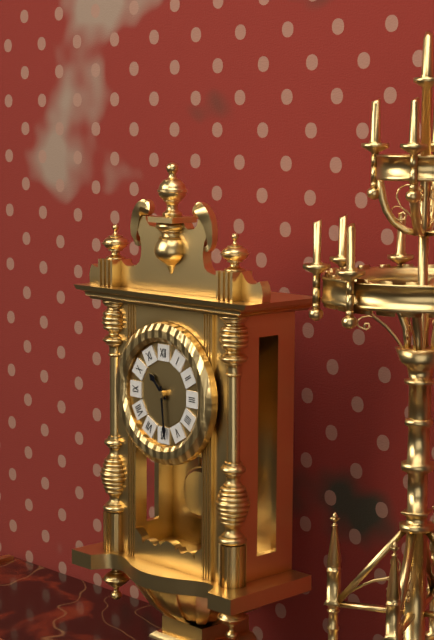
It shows 10,29
